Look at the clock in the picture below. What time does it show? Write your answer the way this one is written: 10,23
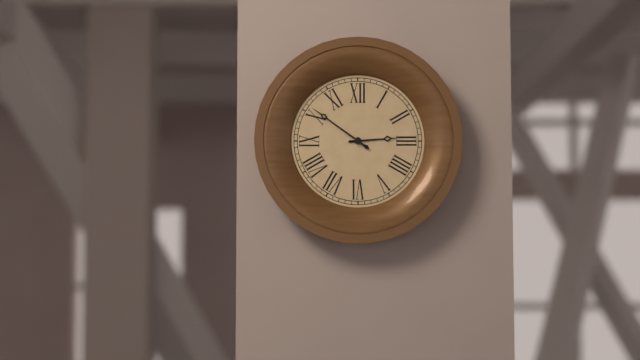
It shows 2,51
